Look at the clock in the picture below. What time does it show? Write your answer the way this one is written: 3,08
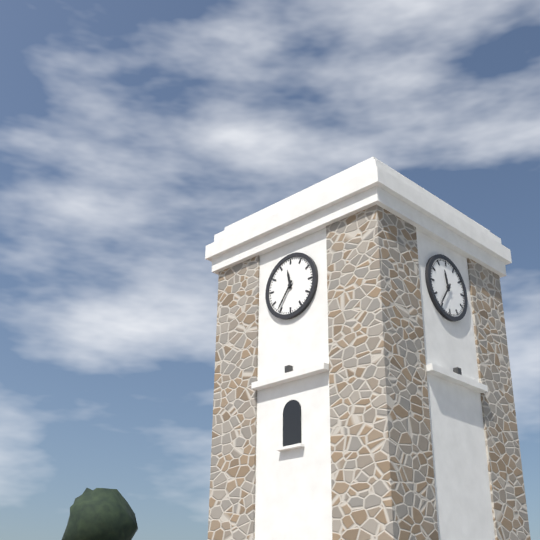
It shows 11,36
